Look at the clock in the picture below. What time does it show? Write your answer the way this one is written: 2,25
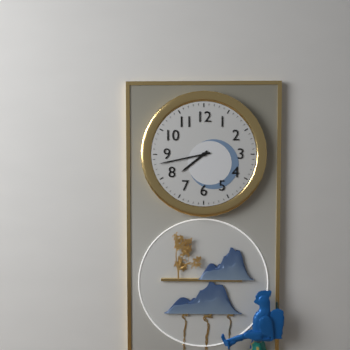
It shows 7,43
